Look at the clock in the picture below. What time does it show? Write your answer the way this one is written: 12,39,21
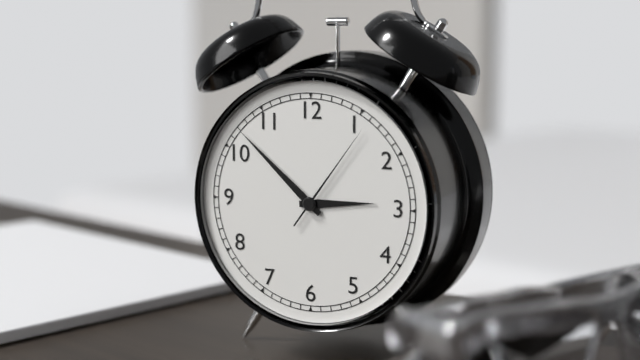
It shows 2,52,06
